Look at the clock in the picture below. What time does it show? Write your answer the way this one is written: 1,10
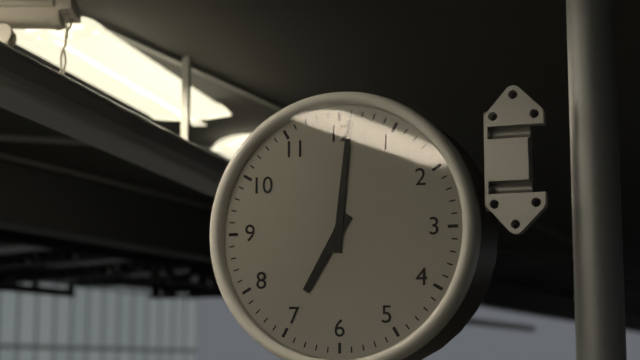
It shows 7,01
